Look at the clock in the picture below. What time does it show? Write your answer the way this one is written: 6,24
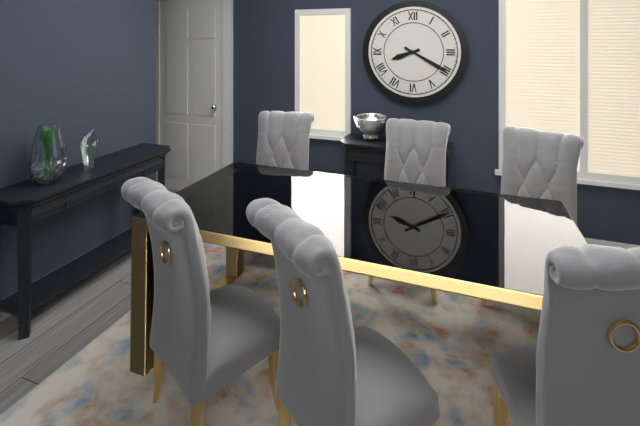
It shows 8,20
